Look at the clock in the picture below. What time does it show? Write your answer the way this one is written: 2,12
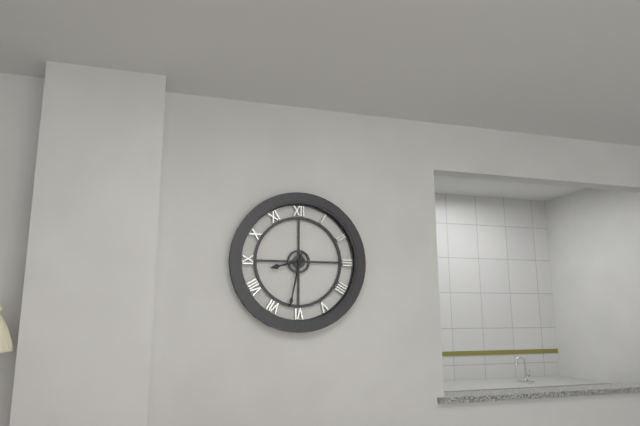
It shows 8,32
